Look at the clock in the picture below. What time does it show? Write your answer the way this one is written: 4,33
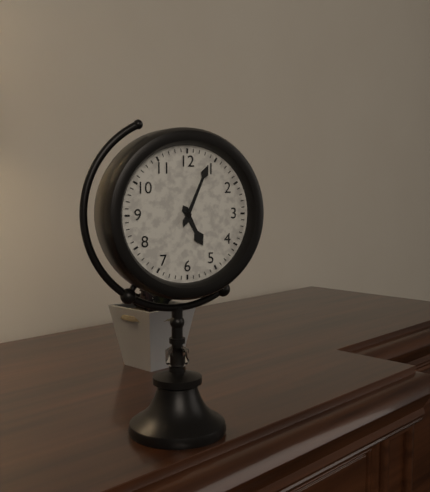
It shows 5,04
